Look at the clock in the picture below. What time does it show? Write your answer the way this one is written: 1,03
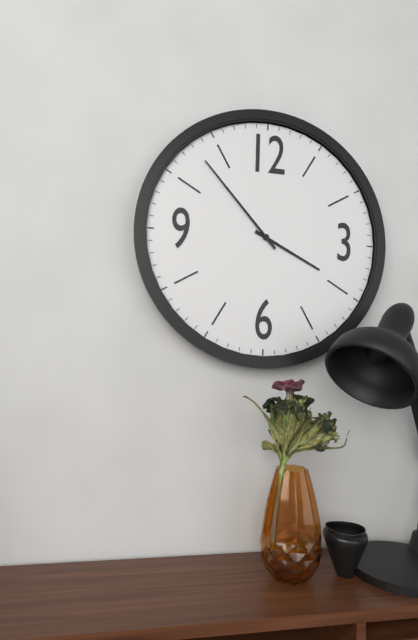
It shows 3,53
